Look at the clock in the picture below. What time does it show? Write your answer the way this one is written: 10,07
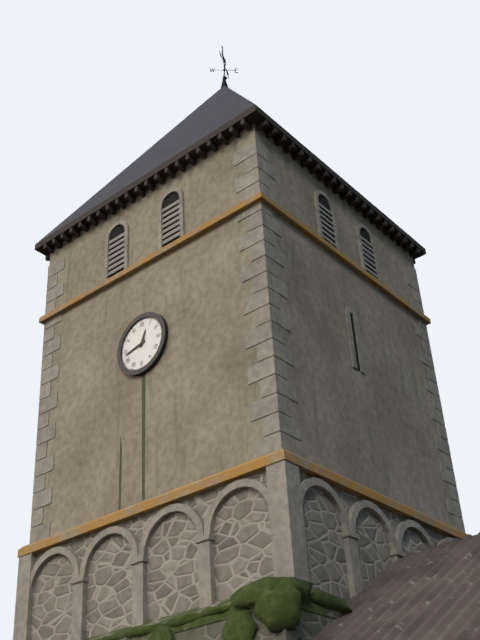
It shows 12,43
